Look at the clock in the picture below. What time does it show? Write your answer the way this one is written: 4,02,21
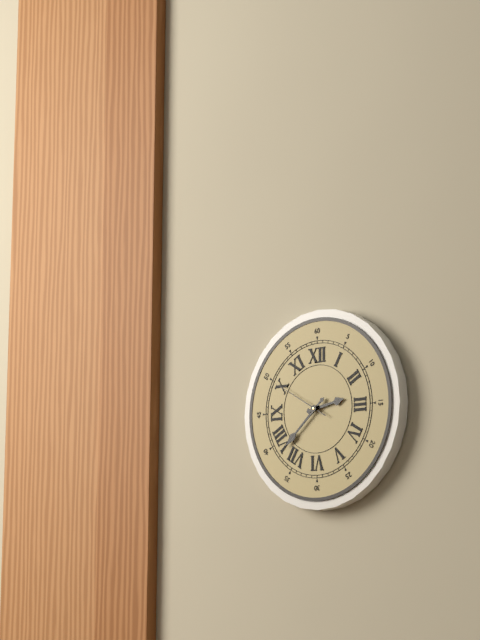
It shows 2,38,50
